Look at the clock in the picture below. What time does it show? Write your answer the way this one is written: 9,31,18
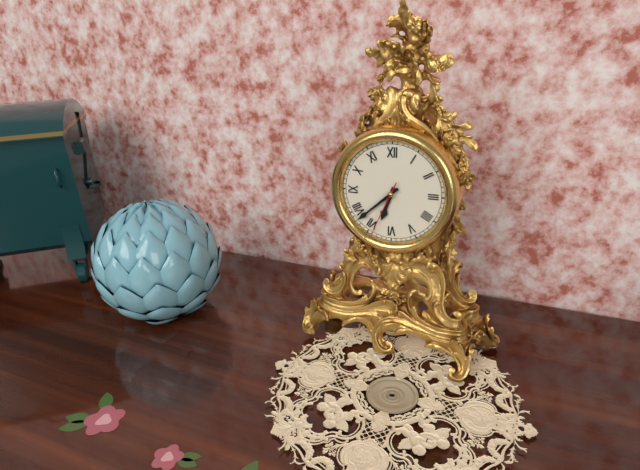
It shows 6,38,34
